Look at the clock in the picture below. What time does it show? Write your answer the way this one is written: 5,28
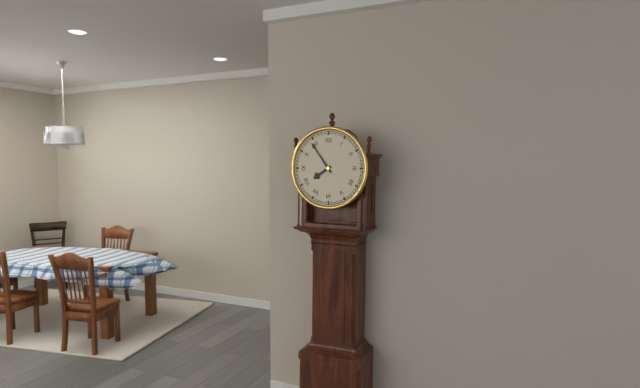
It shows 7,54
